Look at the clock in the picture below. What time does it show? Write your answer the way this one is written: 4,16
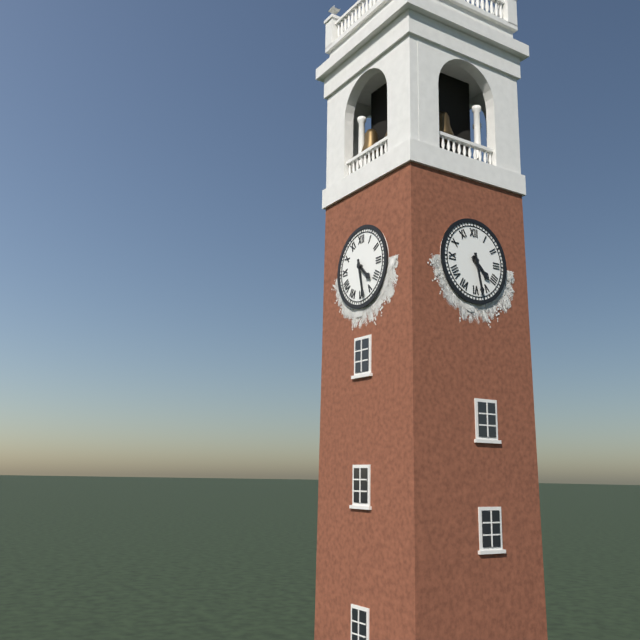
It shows 4,28
